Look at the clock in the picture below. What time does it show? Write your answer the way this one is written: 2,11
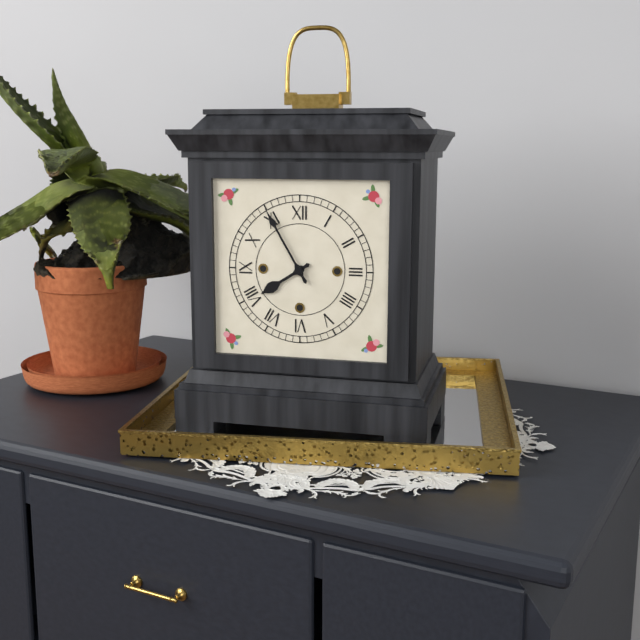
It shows 7,55
